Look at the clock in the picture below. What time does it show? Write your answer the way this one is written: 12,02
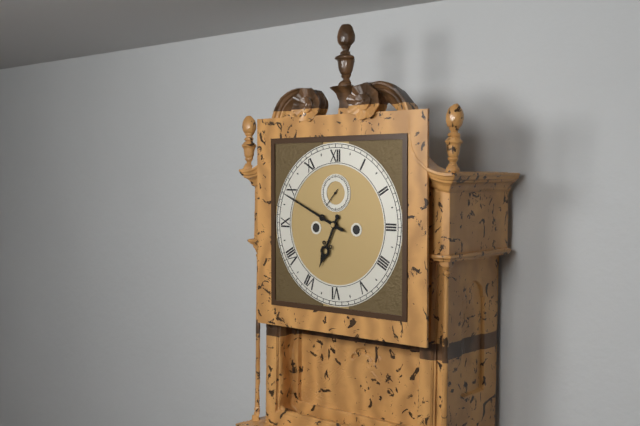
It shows 6,49
